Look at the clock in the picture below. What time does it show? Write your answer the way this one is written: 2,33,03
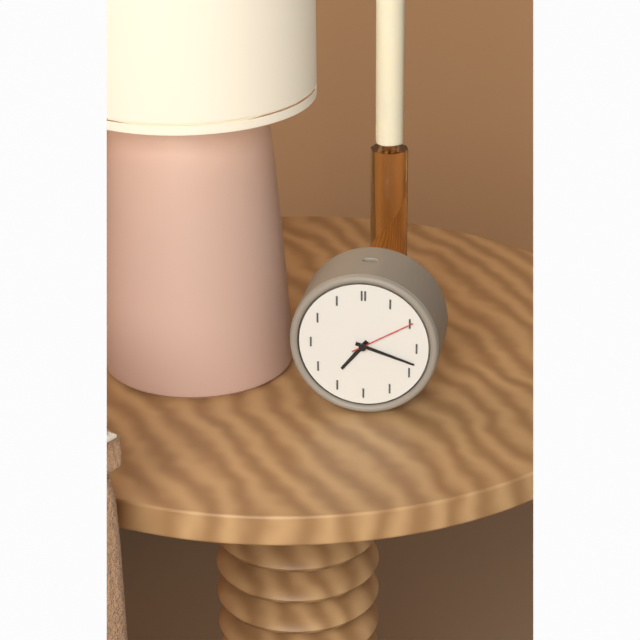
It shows 7,18,10
